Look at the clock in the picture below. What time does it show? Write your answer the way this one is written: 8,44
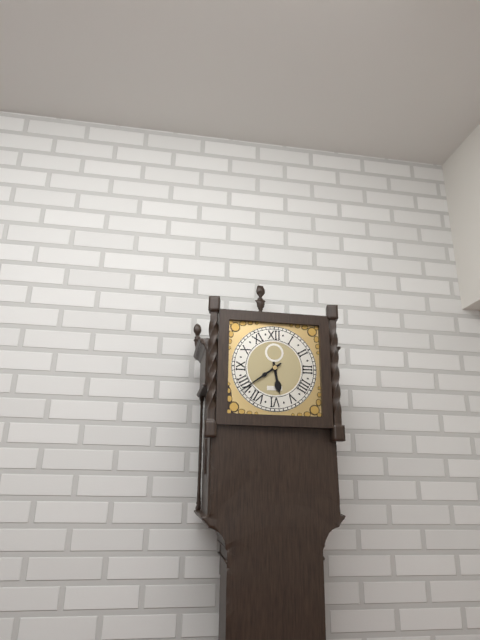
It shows 5,39
